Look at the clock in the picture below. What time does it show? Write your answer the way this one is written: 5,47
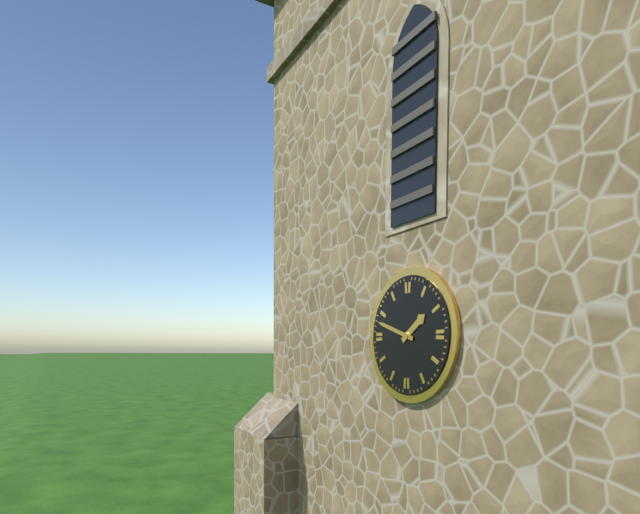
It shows 1,48
